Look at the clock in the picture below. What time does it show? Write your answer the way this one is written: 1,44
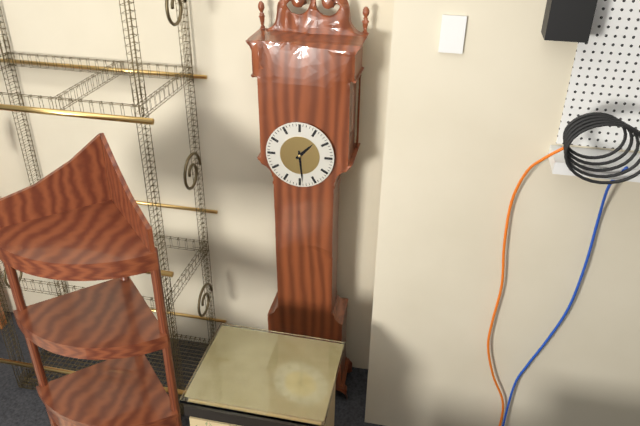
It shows 1,29
